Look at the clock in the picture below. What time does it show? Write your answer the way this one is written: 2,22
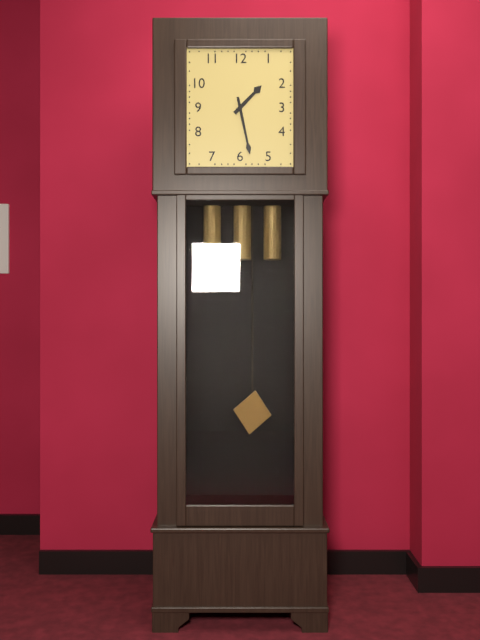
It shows 1,28
